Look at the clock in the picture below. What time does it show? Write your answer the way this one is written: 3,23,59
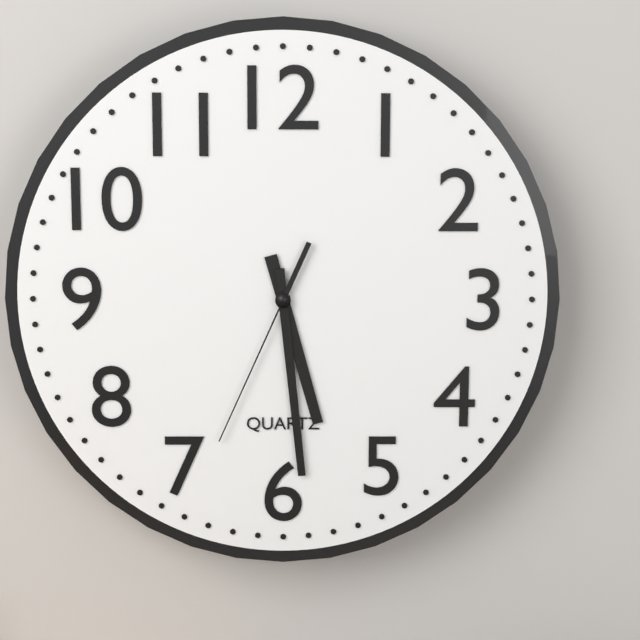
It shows 5,29,34
